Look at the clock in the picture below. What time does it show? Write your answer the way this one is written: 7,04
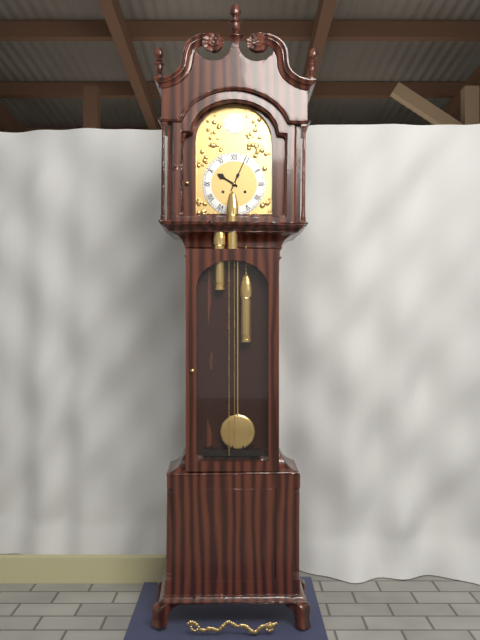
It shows 10,04
